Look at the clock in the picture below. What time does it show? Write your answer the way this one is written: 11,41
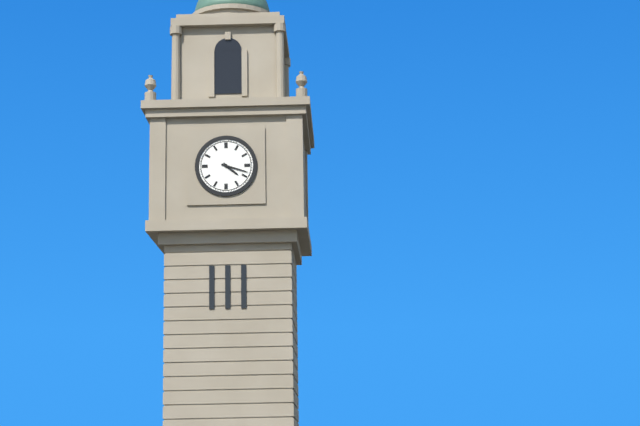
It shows 4,18
